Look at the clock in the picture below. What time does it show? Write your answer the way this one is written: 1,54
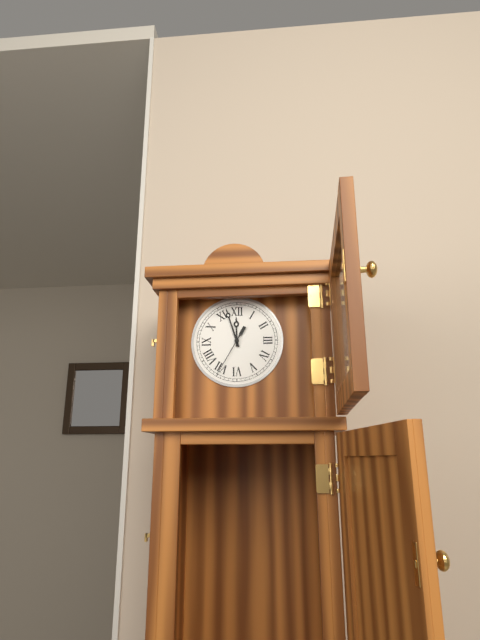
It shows 11,57
